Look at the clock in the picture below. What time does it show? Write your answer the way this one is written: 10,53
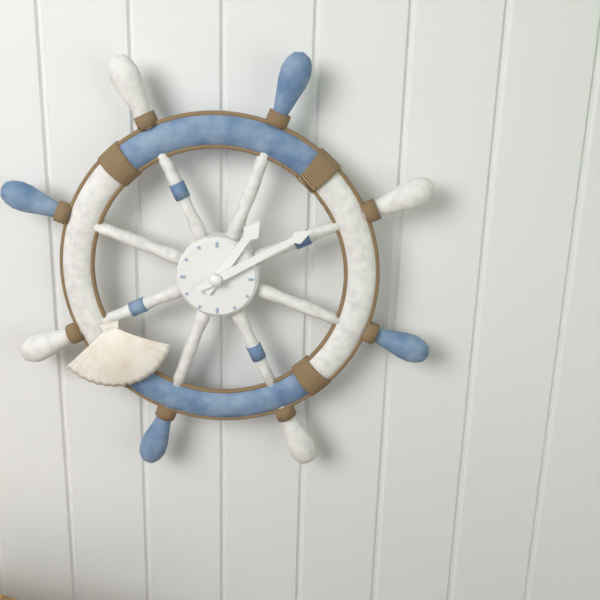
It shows 1,10
